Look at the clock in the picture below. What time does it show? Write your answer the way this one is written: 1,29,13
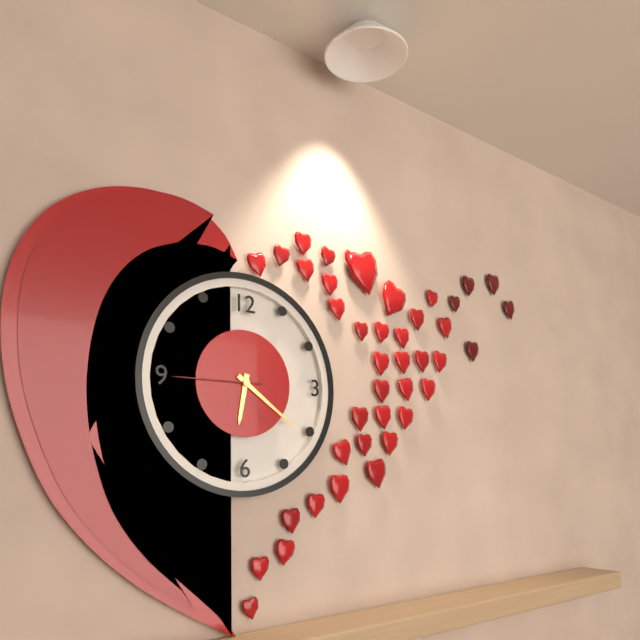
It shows 6,21,45
